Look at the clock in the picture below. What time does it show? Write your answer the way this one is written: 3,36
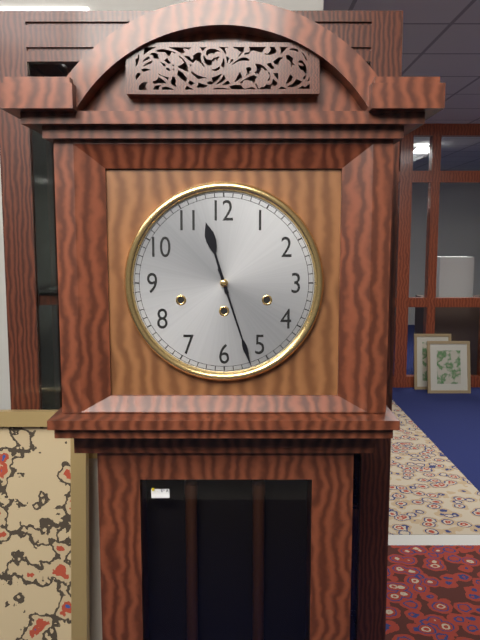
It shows 11,27
